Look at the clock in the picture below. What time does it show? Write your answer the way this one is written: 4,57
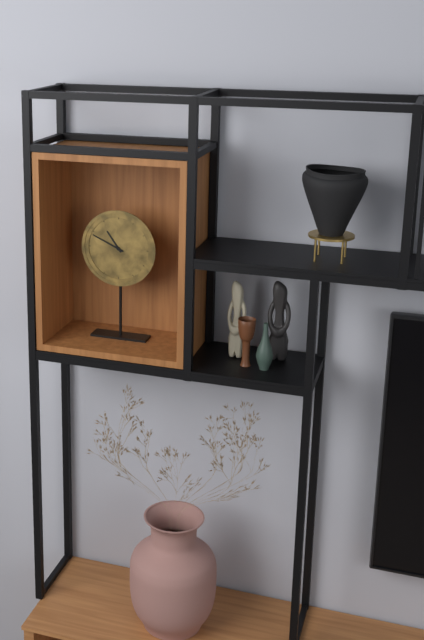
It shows 10,49
